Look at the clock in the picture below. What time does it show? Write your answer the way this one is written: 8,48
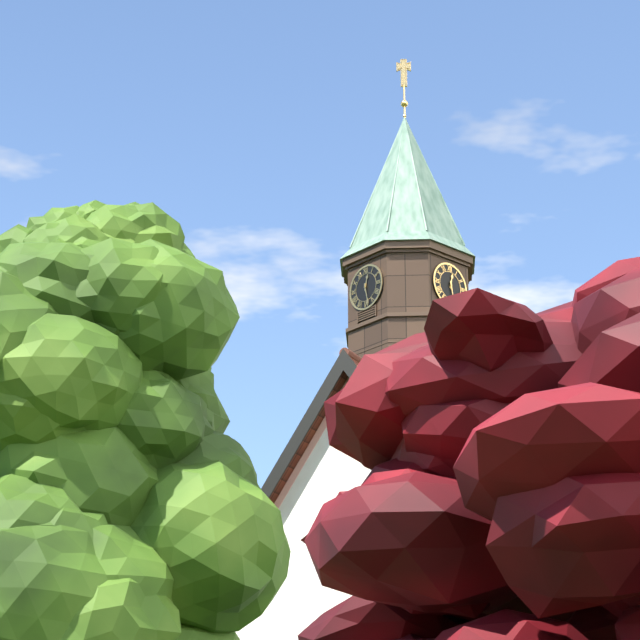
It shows 12,28
